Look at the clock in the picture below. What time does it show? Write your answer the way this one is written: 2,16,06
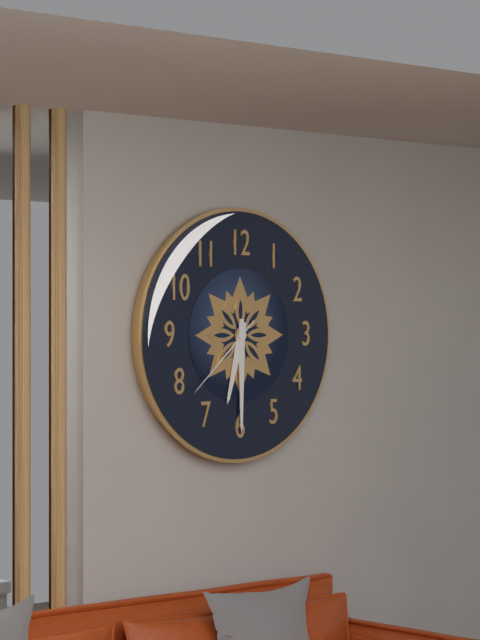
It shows 6,30,38
